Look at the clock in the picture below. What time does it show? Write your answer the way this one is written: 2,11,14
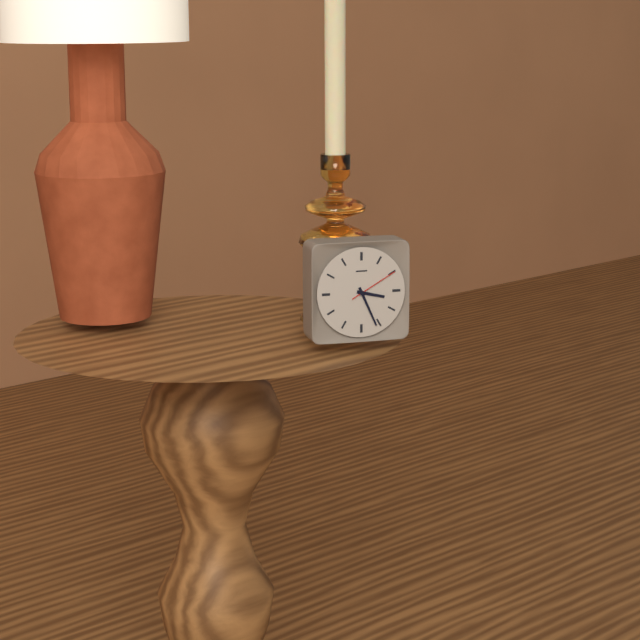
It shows 3,26,10
